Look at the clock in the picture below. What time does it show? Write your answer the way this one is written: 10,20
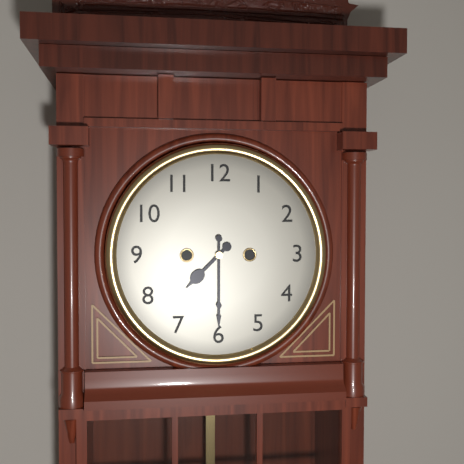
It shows 7,30
